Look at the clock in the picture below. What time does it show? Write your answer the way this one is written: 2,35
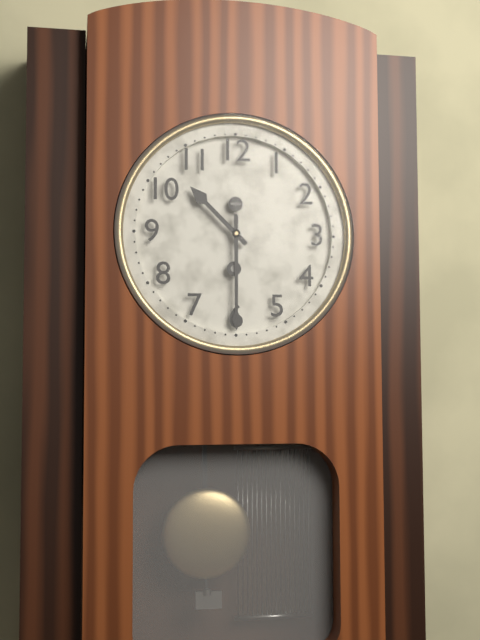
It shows 10,30
